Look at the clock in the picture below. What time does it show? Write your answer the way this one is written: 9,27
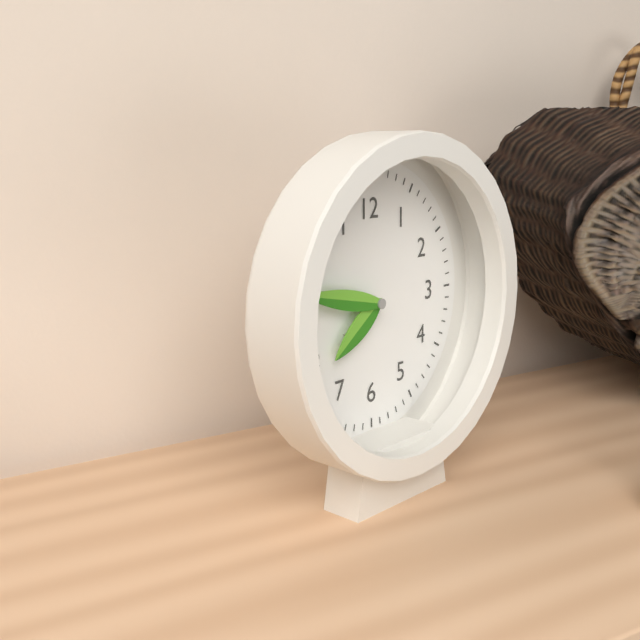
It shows 7,47
